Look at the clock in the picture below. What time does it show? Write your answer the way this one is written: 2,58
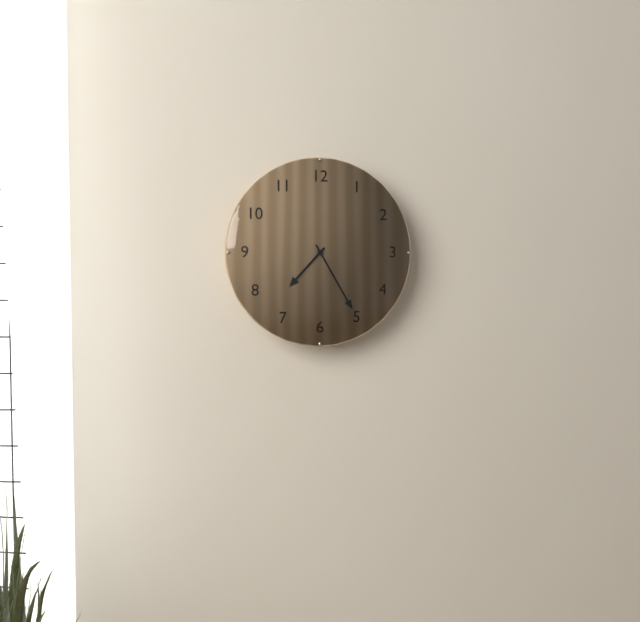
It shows 7,25
